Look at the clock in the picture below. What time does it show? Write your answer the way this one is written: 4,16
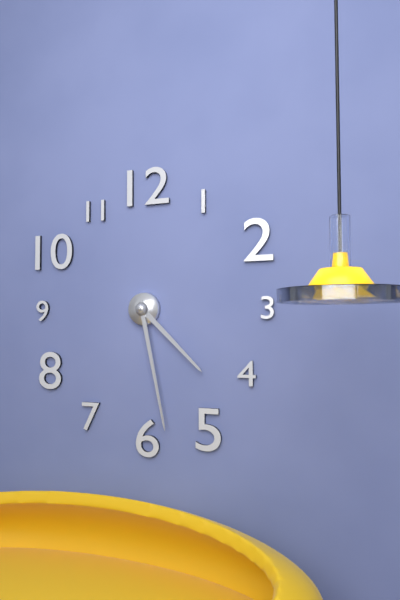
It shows 4,28
